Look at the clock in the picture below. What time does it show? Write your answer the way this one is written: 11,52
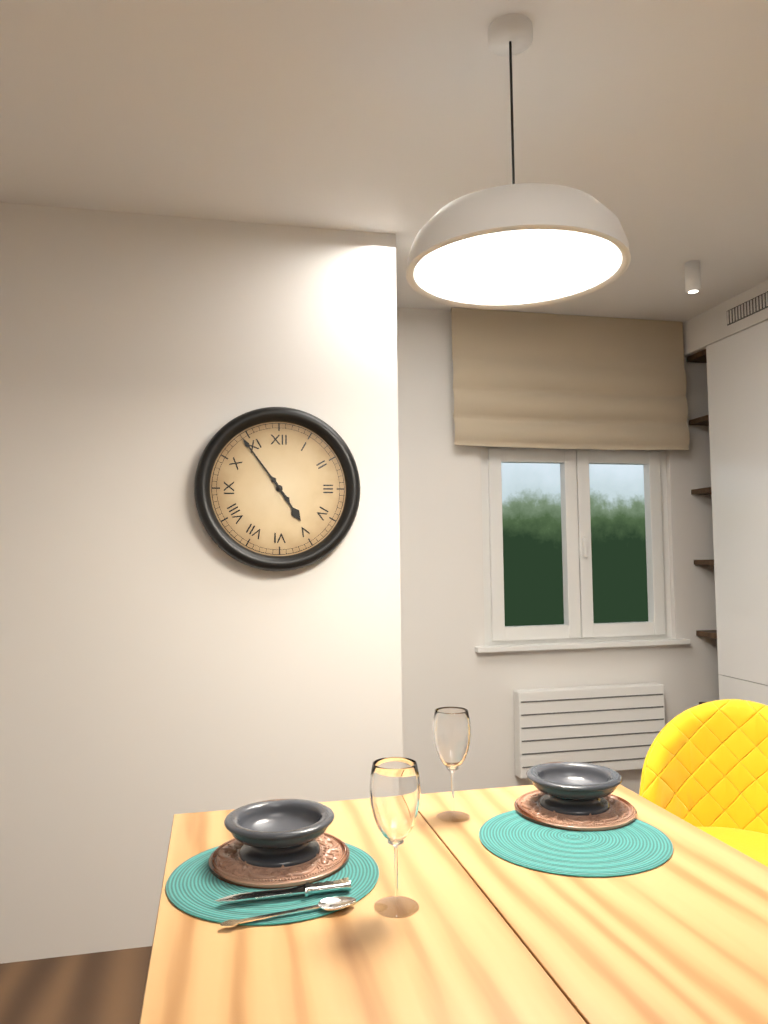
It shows 4,54
